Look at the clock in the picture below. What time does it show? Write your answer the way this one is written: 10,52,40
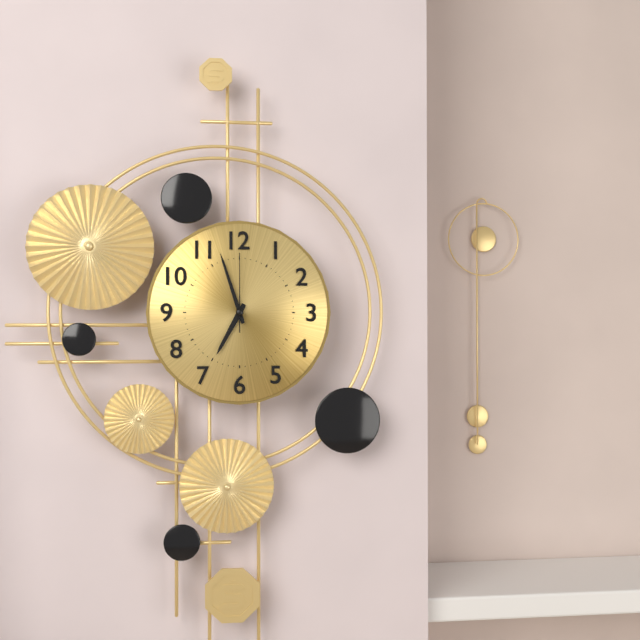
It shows 6,57,00
